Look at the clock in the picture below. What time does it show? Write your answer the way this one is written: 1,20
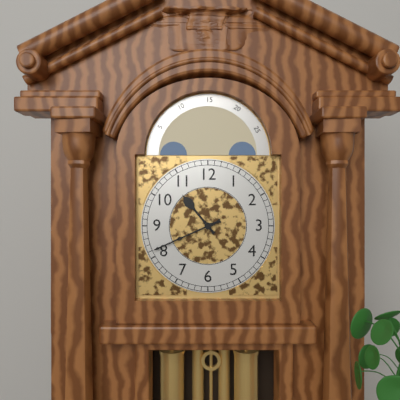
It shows 10,41
